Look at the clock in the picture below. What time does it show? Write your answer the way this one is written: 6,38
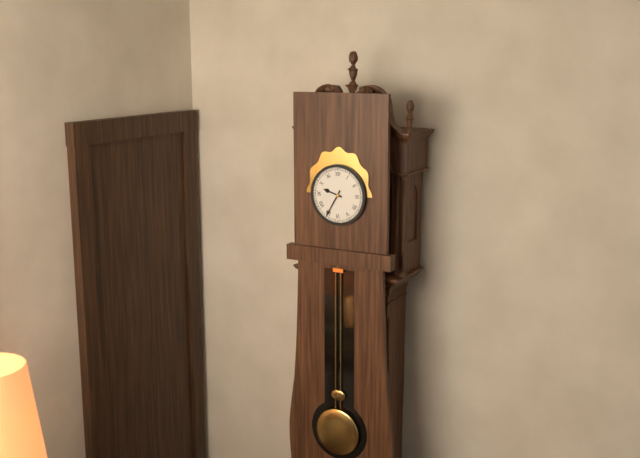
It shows 9,35
